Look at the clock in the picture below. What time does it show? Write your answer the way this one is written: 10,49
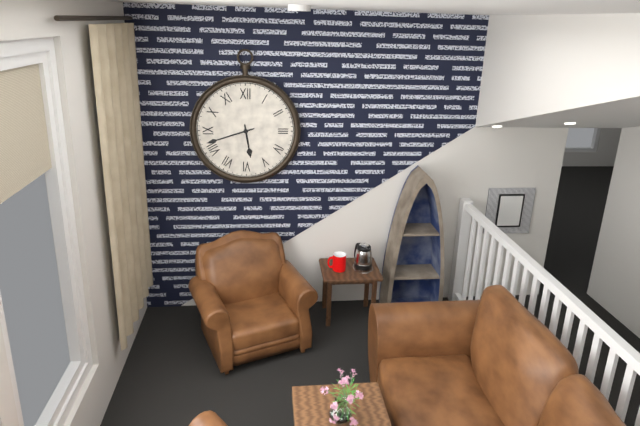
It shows 5,42
